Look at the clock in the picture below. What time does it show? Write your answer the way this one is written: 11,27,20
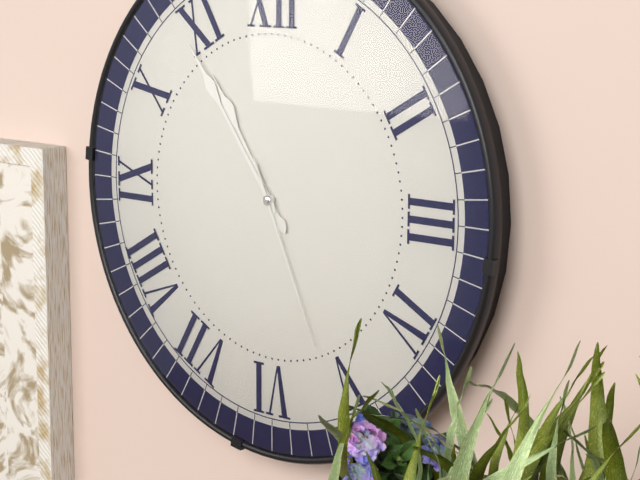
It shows 10,54,26
